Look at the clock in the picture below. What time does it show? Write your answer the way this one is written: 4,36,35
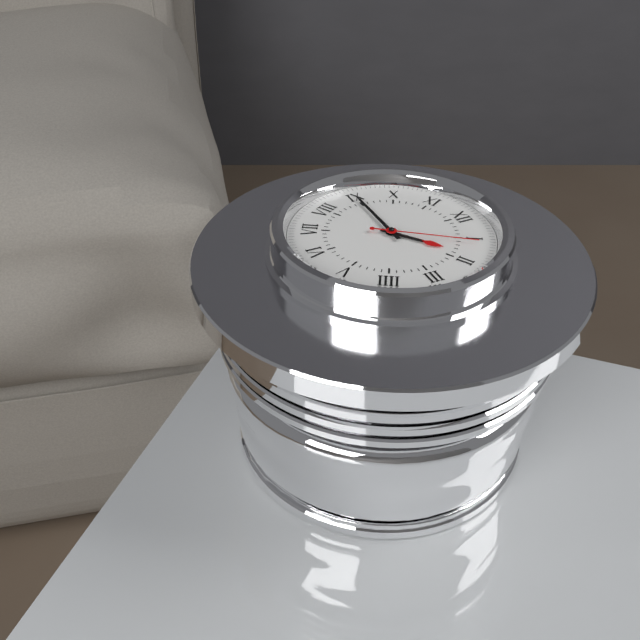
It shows 1,45,06
